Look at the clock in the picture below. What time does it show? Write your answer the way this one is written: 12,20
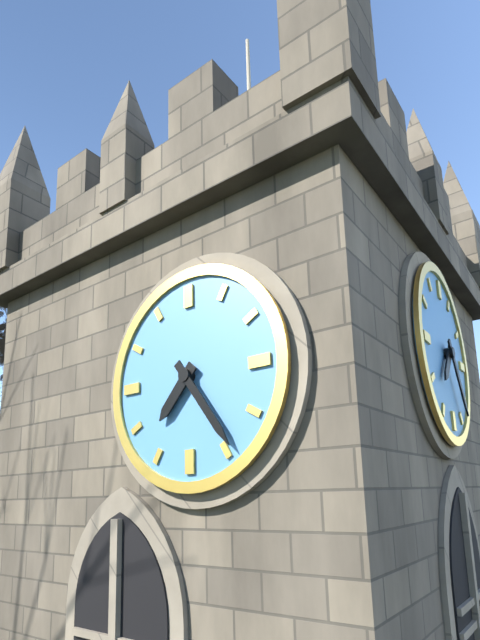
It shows 7,24
